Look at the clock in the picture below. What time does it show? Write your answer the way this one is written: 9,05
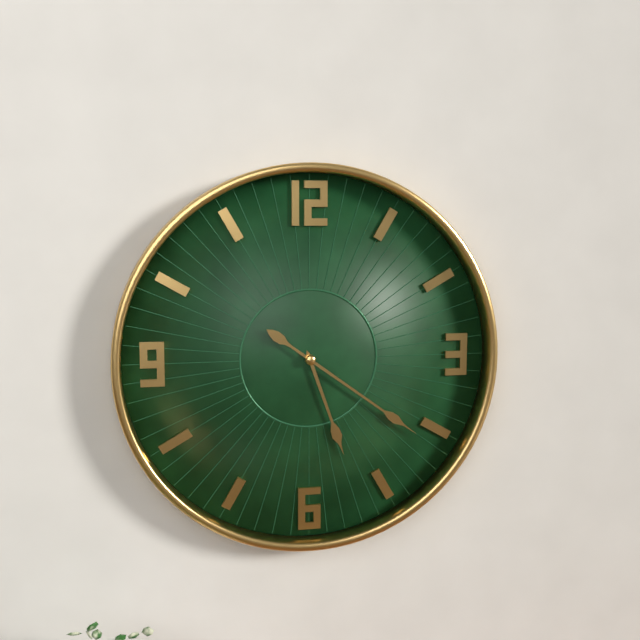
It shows 5,21
